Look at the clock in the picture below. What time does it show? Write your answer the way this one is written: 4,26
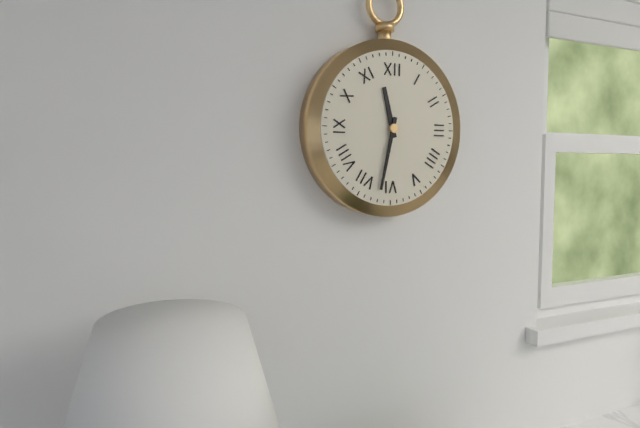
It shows 11,32
